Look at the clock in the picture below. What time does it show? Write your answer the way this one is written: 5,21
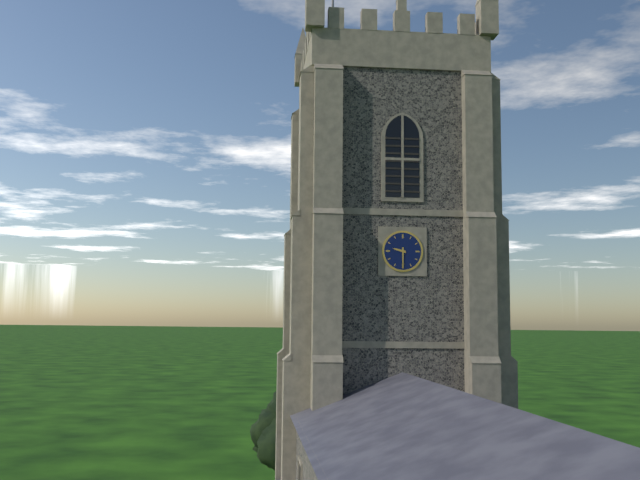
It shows 9,30
